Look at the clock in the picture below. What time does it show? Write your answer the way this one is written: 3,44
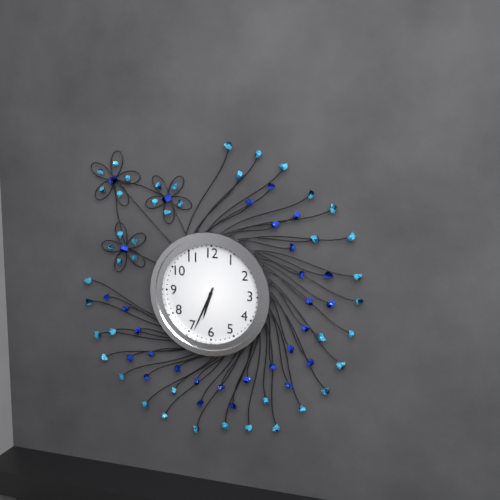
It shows 6,34
